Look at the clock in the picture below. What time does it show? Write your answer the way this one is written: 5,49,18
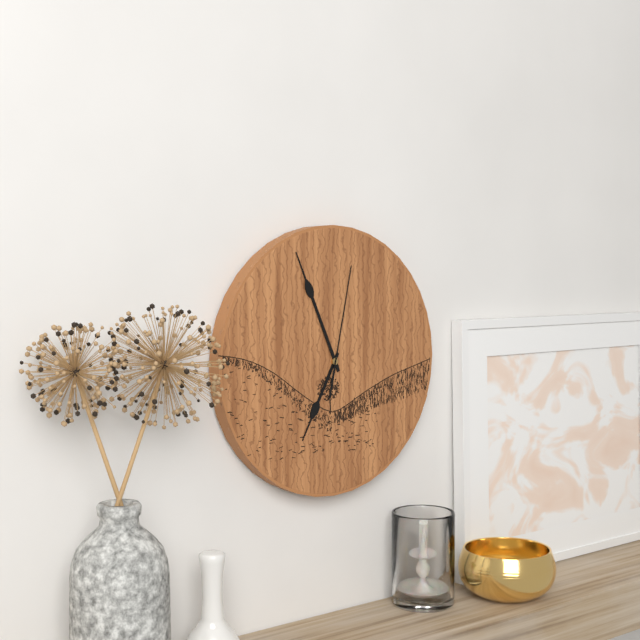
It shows 6,56,02
